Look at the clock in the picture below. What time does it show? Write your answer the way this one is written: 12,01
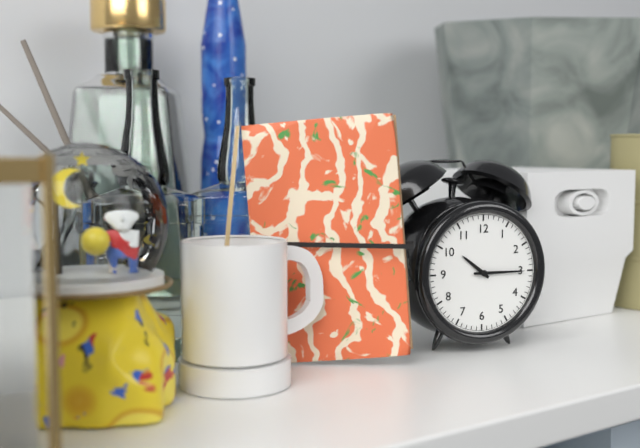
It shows 10,15
